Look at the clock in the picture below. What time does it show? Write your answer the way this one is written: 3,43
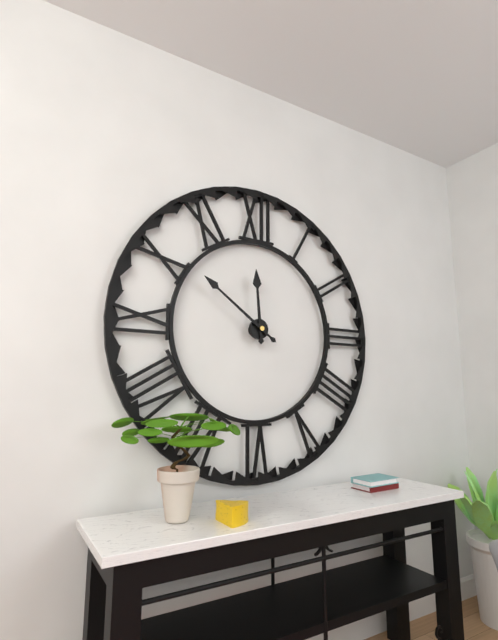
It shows 11,51
